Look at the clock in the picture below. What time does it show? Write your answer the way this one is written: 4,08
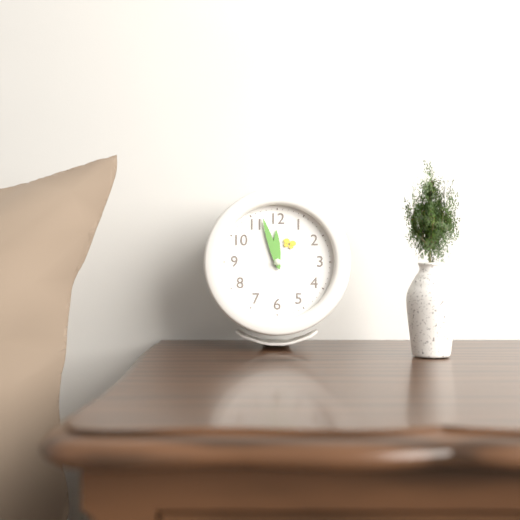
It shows 11,57
